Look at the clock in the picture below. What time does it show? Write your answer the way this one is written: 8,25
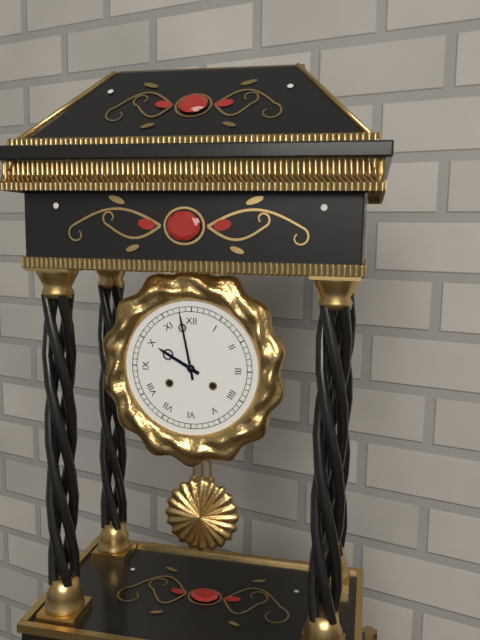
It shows 9,58
